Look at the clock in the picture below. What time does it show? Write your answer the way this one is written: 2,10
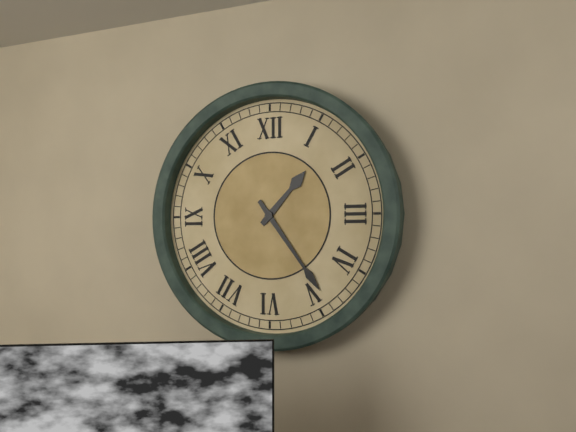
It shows 1,24
